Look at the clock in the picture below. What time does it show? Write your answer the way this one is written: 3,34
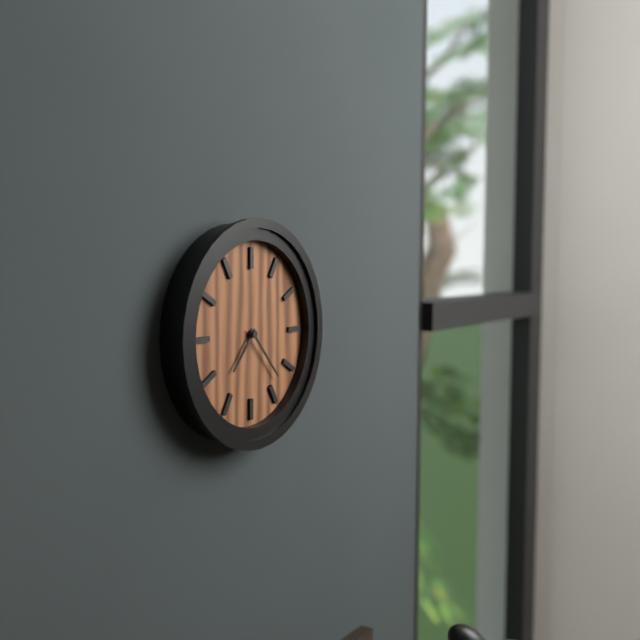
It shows 7,23
